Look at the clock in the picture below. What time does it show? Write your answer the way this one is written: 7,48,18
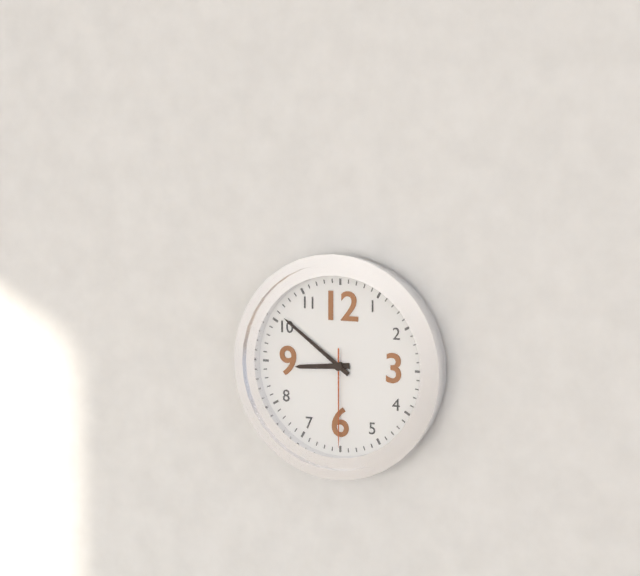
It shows 8,51,30
